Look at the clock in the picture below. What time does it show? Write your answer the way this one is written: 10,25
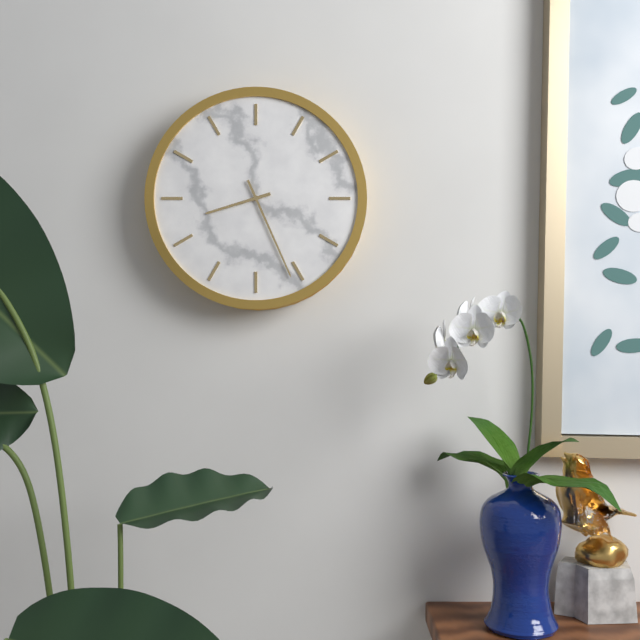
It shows 8,26
